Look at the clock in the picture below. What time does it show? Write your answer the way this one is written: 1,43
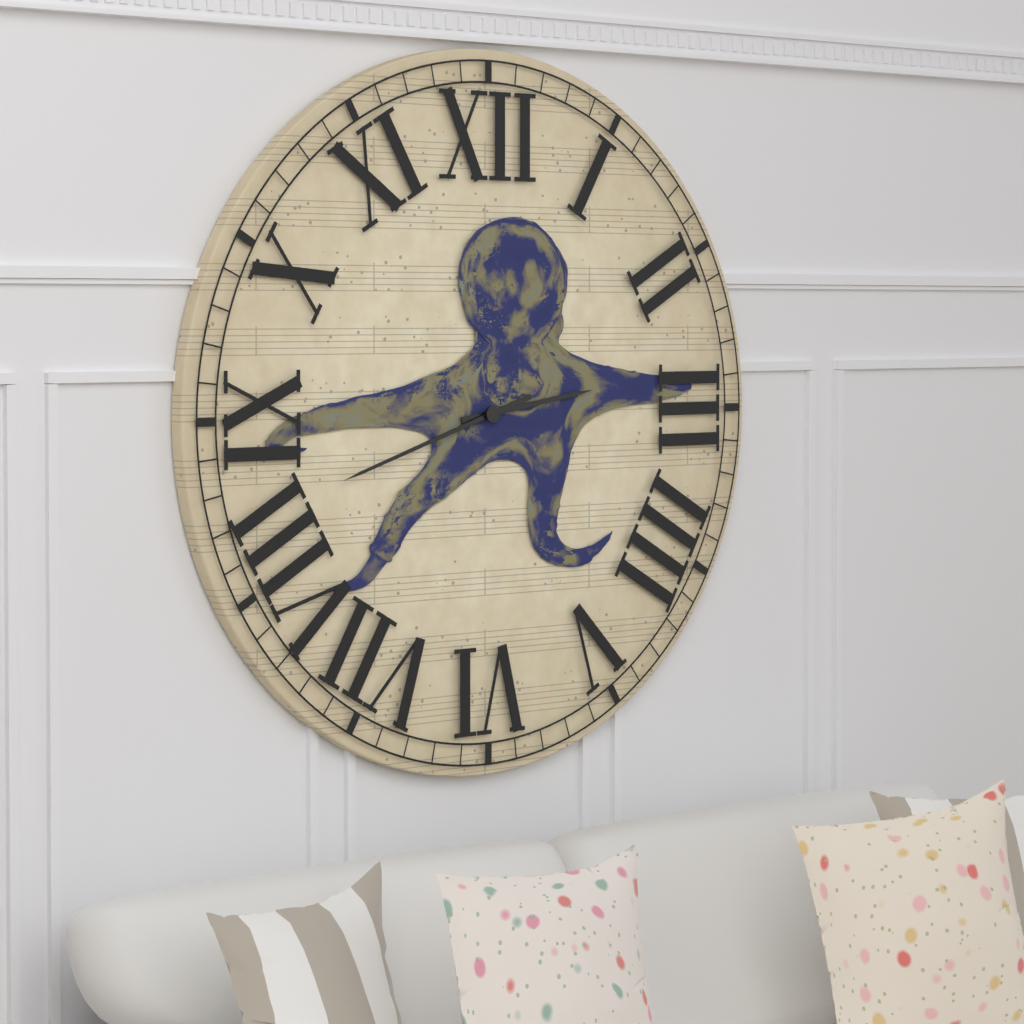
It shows 2,42
